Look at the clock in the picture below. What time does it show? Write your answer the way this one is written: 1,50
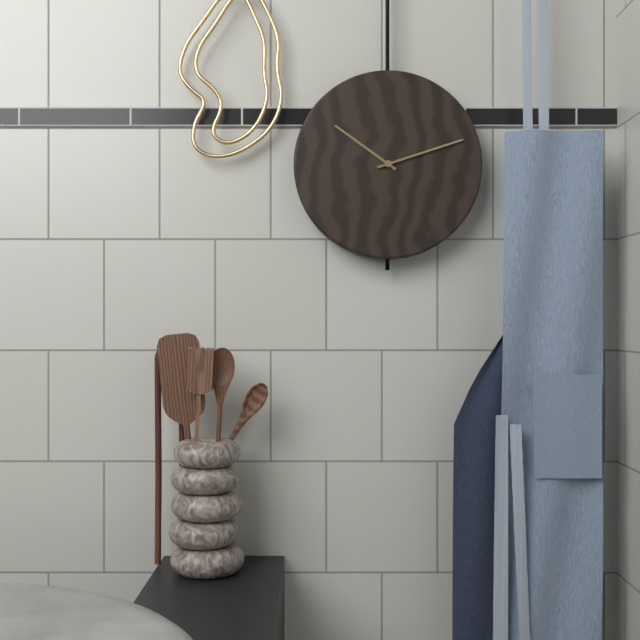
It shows 10,12
